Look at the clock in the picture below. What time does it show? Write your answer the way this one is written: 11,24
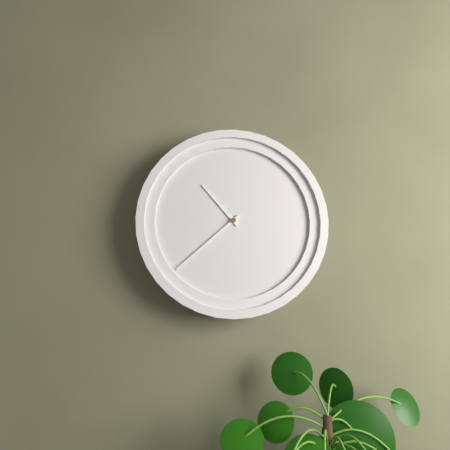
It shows 10,38
